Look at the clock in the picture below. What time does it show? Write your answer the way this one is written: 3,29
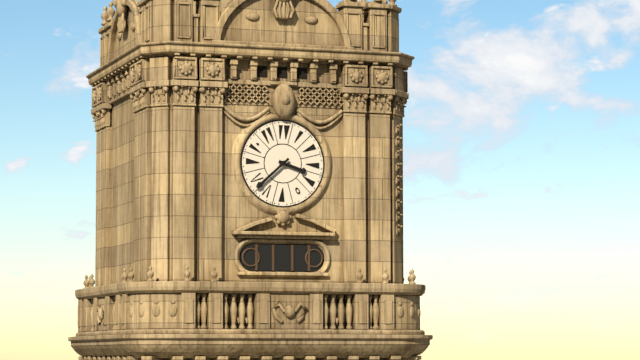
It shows 3,38
